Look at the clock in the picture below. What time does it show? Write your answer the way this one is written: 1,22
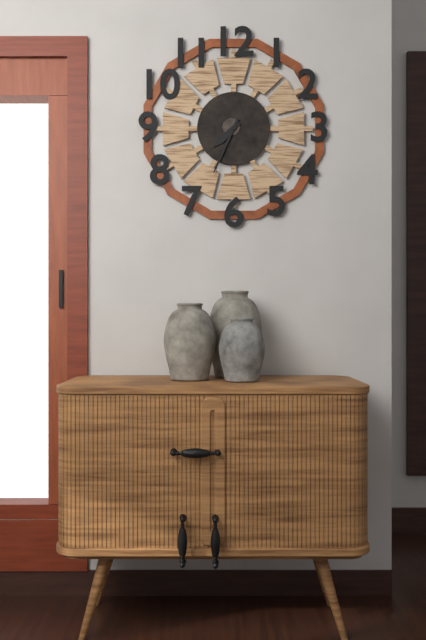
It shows 7,34
